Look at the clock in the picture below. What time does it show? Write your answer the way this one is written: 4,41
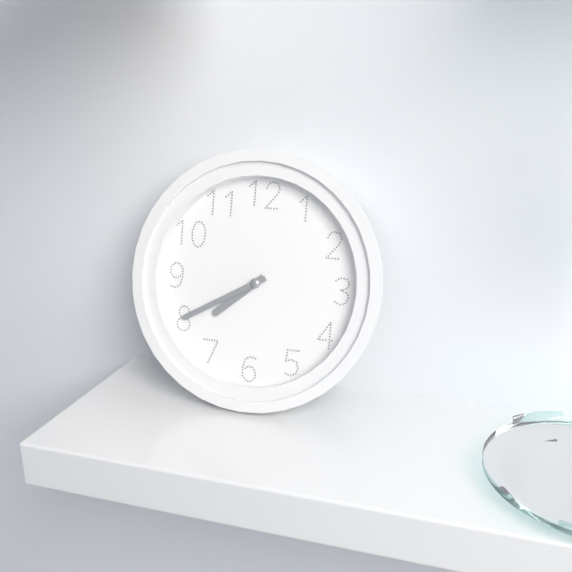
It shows 7,40
